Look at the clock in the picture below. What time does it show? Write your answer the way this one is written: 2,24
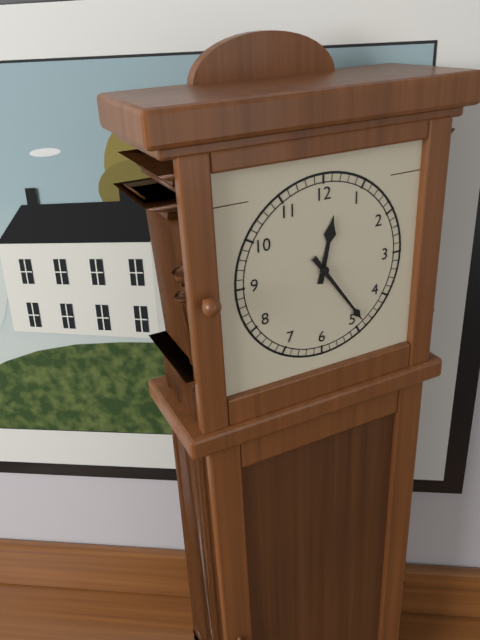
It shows 12,24
